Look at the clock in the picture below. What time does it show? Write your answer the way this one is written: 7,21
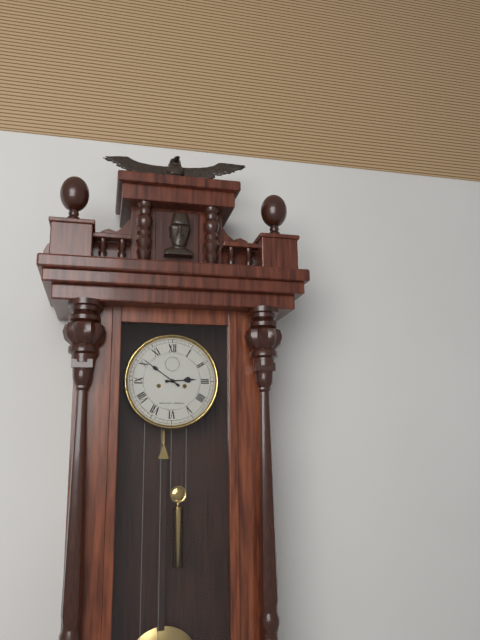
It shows 2,51
